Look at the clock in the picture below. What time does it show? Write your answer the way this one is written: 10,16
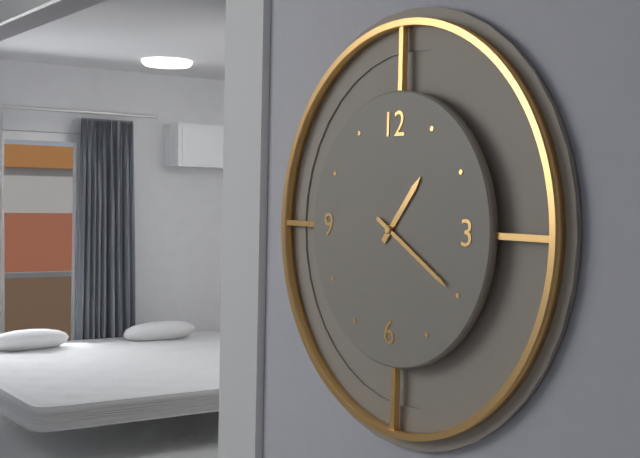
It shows 1,20
